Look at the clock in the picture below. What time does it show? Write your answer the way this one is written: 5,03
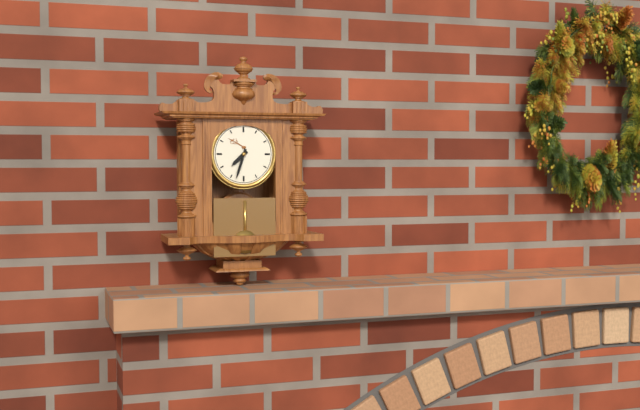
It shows 7,33
